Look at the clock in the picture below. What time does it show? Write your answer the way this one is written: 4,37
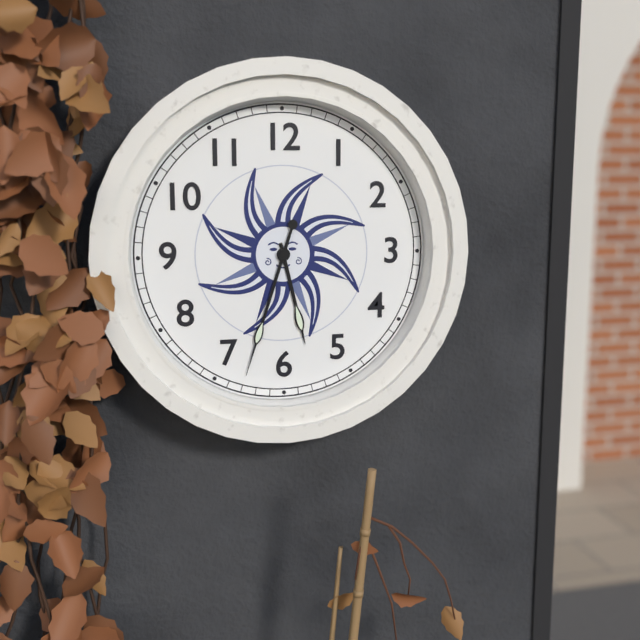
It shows 5,33
